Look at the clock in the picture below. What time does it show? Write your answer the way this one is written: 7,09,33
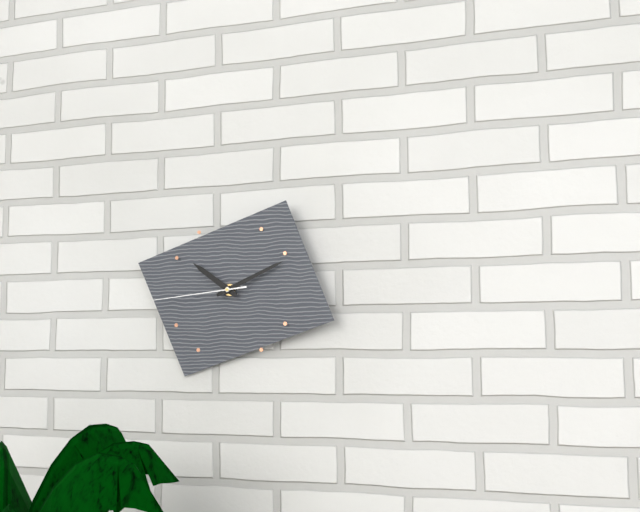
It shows 10,11,44
